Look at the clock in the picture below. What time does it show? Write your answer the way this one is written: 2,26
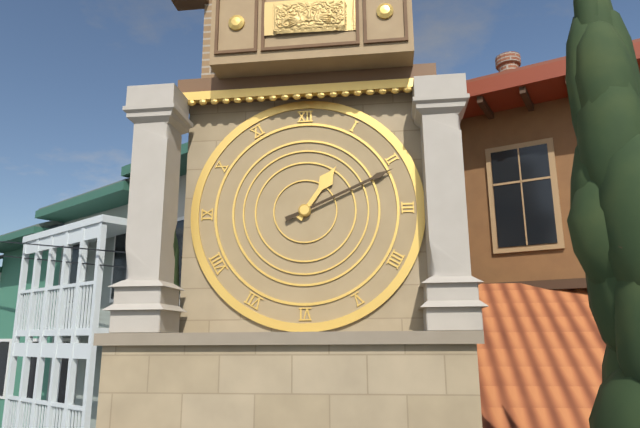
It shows 1,11
